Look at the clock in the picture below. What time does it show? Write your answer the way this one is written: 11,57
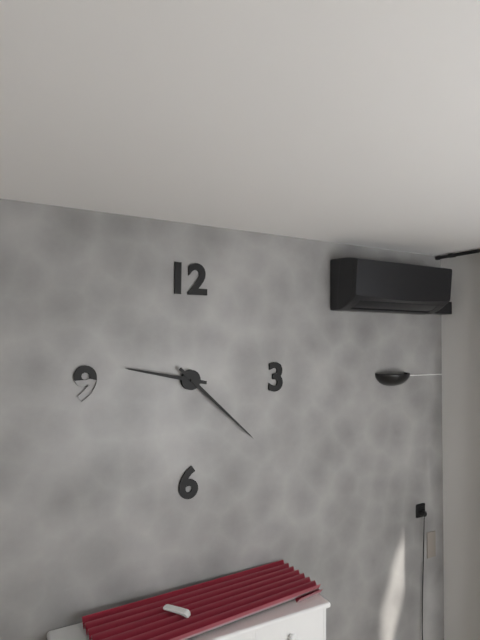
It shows 9,22
